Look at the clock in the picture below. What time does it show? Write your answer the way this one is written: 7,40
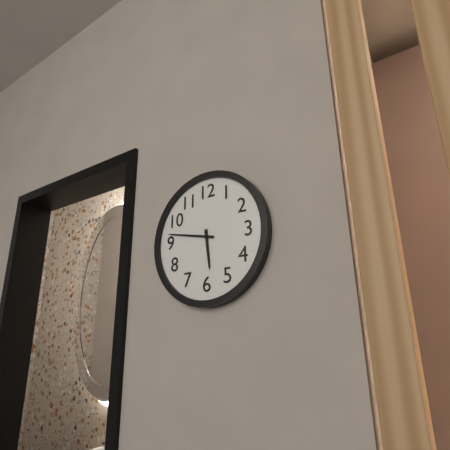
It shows 5,47
